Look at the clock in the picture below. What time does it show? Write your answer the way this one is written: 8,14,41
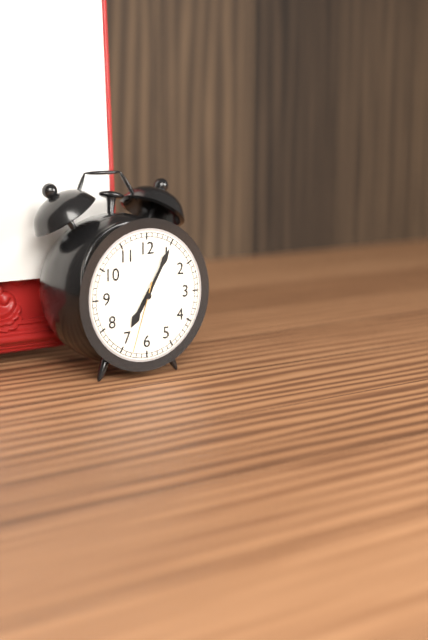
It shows 7,05,33
